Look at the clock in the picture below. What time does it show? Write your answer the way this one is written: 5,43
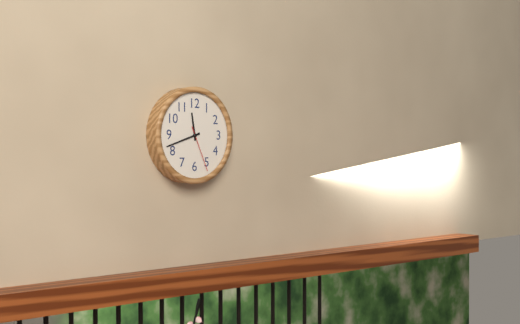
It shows 11,42
